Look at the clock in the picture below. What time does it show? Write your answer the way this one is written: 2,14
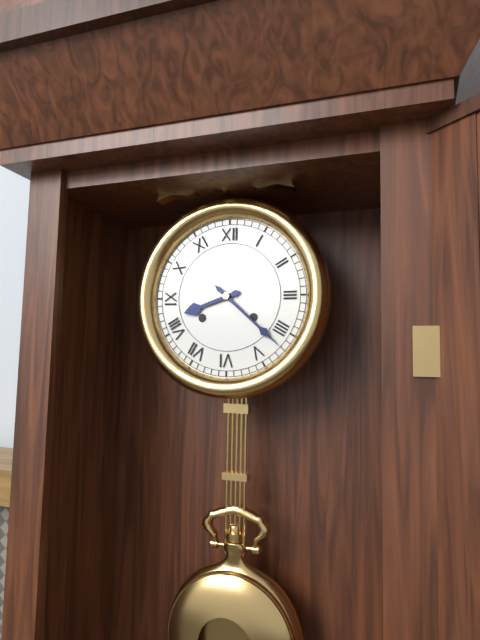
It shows 8,22
